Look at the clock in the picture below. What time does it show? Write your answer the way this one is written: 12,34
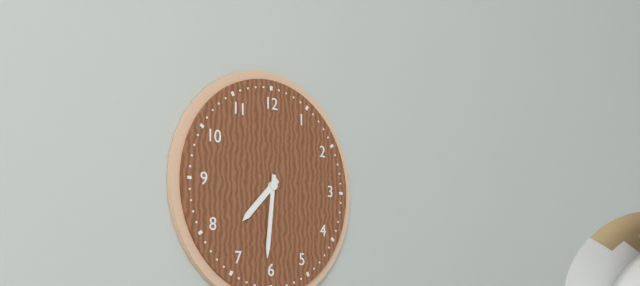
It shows 7,31
